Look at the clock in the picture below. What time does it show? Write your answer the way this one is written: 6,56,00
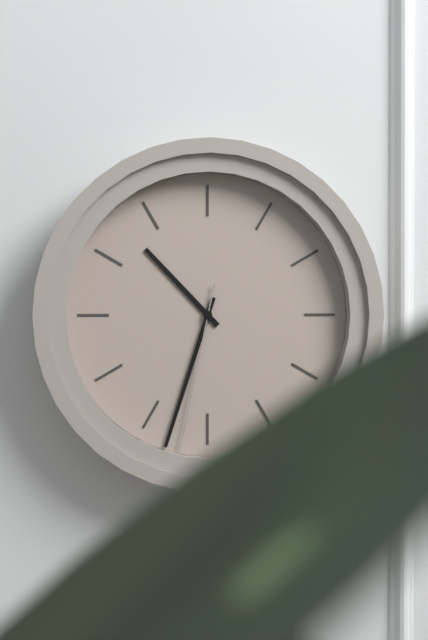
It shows 10,33,32
